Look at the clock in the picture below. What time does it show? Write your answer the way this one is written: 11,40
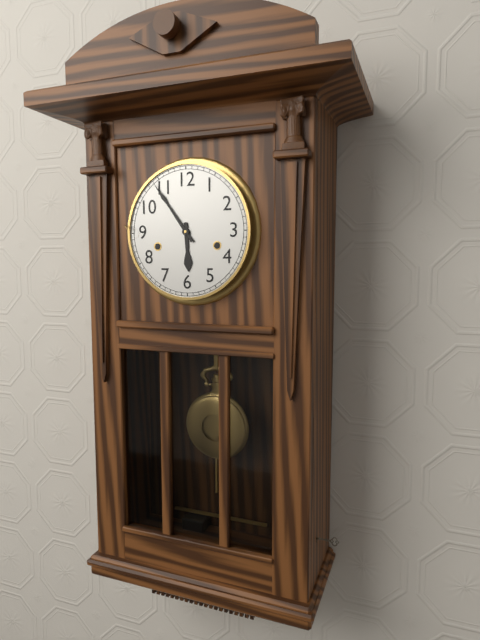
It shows 5,54
